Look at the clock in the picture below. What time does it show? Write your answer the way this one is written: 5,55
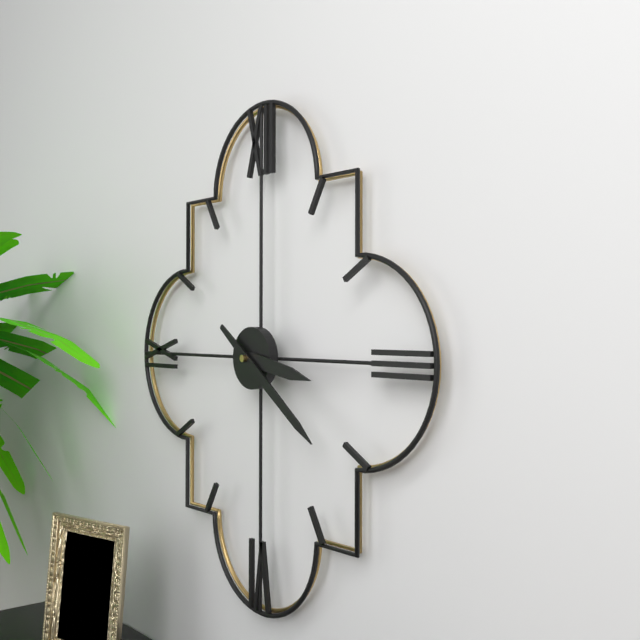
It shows 3,21
